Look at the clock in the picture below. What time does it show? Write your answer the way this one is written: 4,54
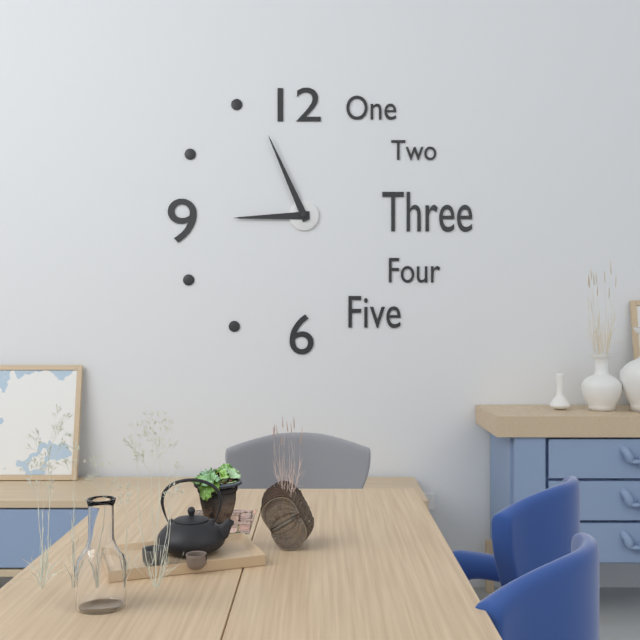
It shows 8,56
